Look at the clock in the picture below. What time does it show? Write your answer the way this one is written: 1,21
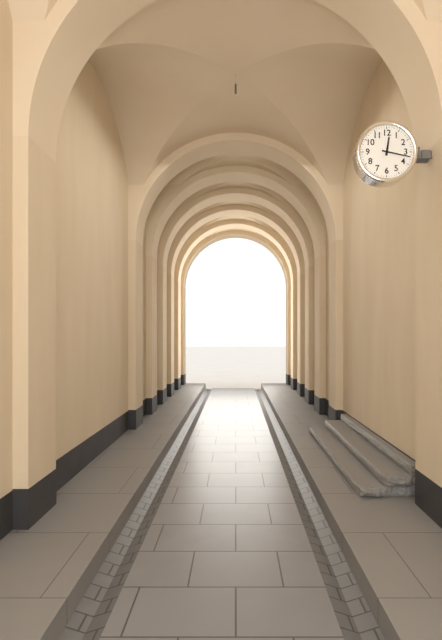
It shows 12,17
